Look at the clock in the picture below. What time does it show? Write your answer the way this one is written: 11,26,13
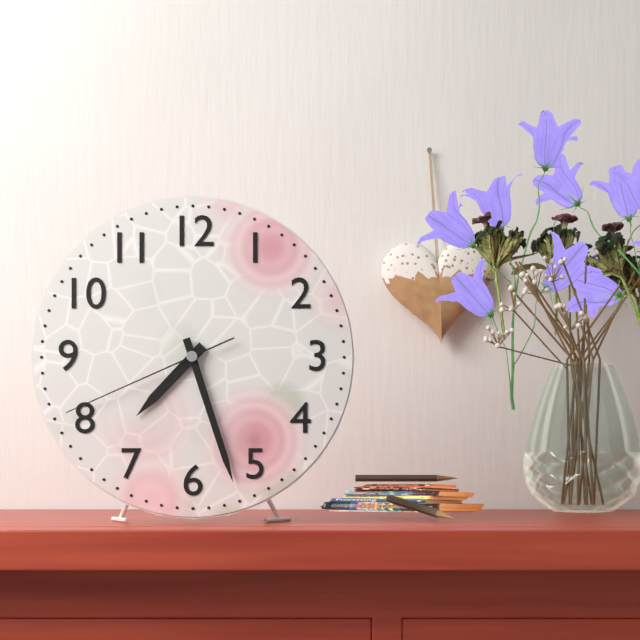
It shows 7,27,41
